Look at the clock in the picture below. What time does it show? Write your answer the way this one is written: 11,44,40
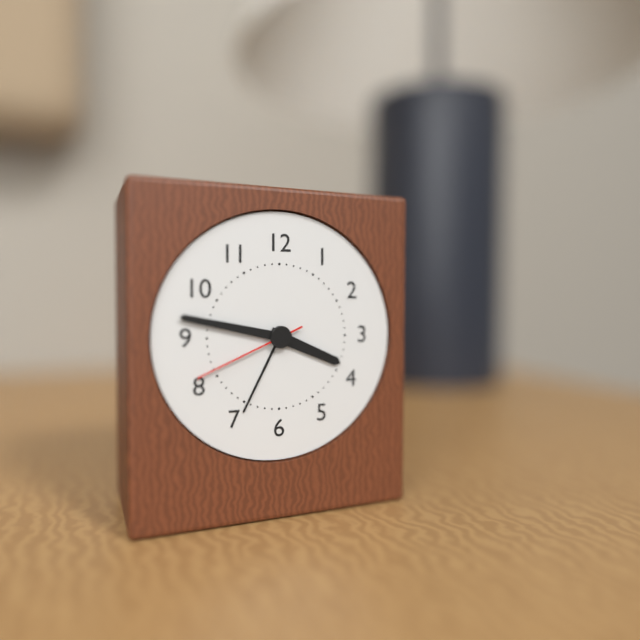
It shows 3,47,41
